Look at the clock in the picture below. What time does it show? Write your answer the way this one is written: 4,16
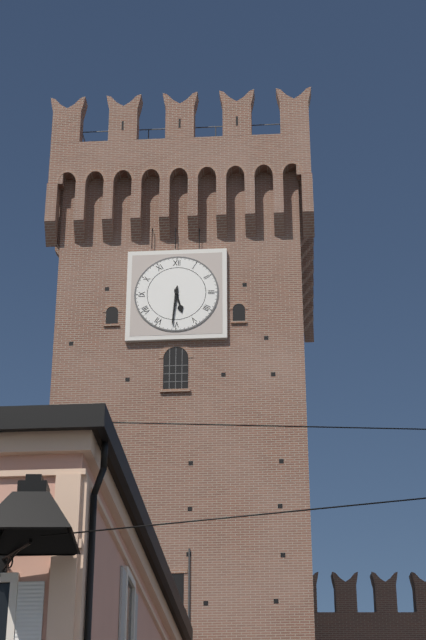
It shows 5,31
